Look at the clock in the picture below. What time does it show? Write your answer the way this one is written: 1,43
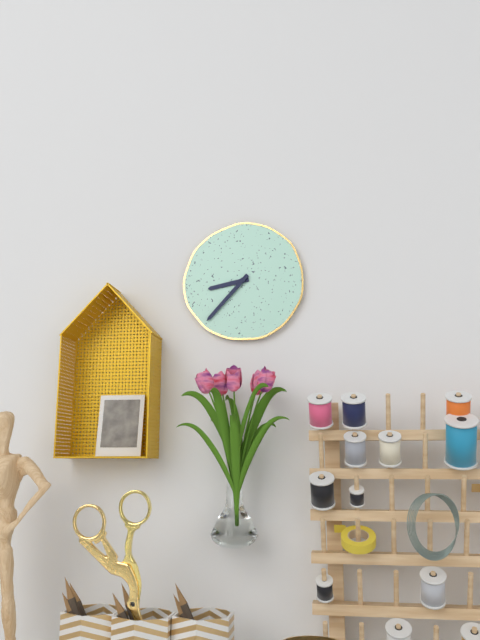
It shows 8,37
